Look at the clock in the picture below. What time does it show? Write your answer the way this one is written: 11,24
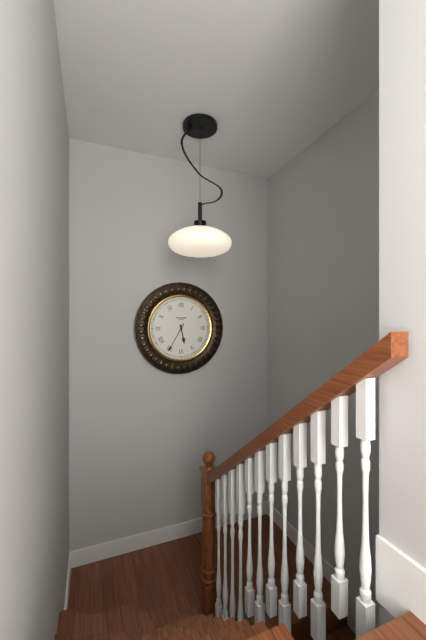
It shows 5,35
